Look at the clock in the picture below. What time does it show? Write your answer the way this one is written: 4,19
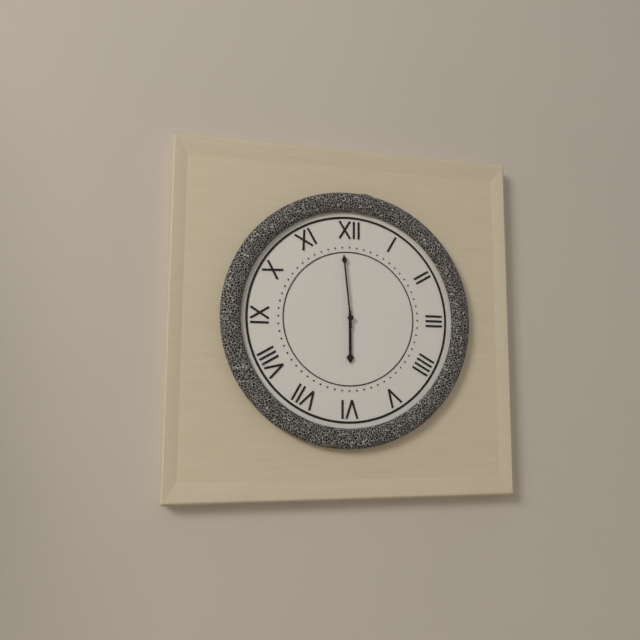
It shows 5,59
